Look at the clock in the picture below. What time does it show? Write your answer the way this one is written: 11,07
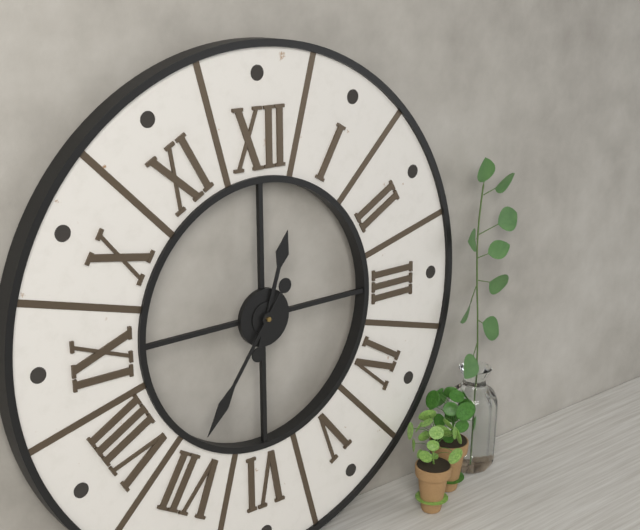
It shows 12,36
